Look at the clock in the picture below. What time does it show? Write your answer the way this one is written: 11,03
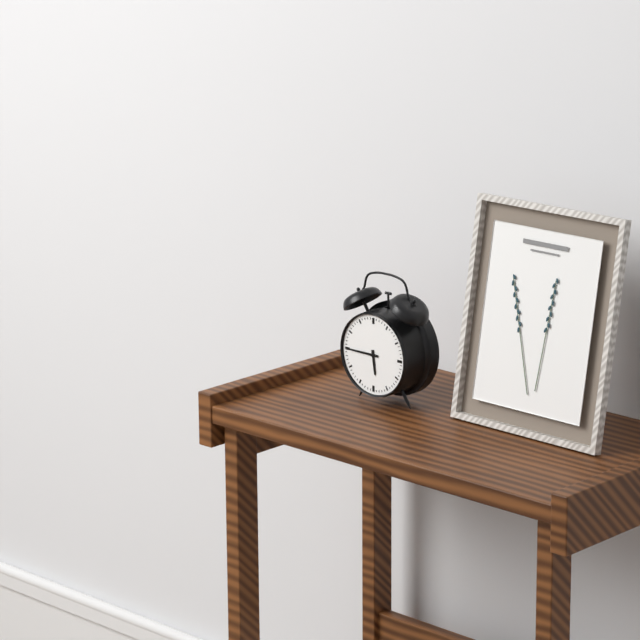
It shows 5,45
